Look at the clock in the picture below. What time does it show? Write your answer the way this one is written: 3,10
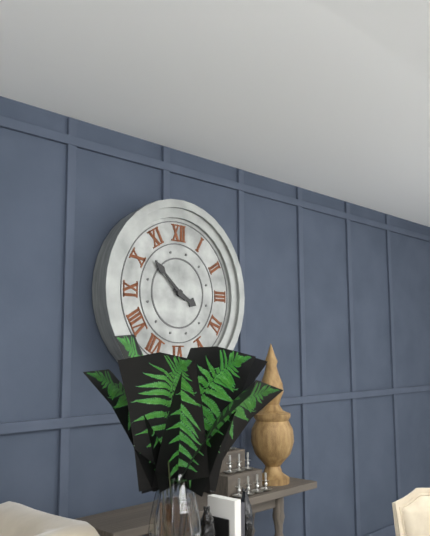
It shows 3,52
